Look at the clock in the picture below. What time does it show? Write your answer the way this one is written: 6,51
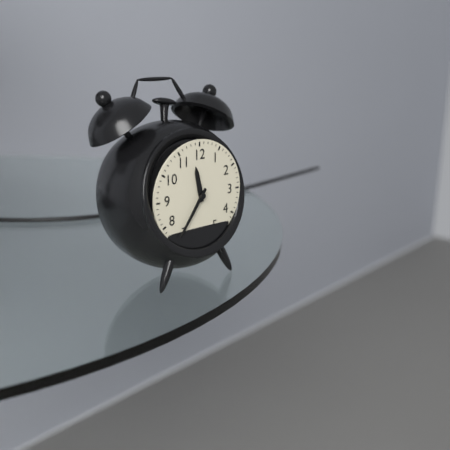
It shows 11,36
